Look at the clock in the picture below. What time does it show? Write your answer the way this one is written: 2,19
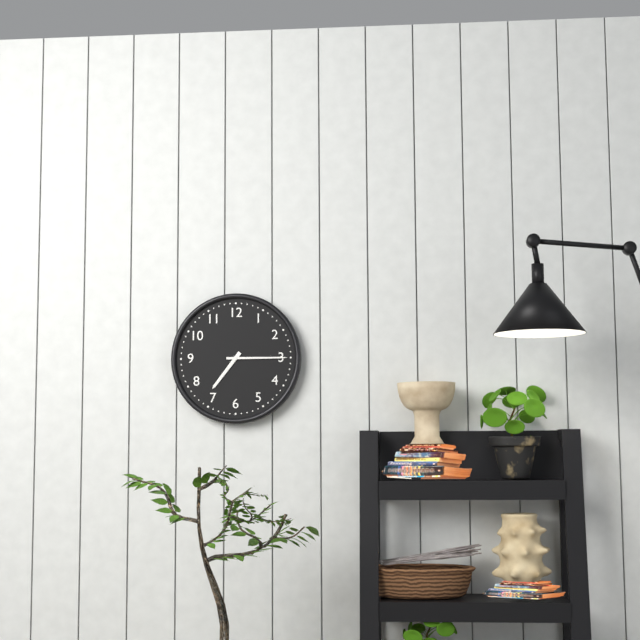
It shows 7,15
